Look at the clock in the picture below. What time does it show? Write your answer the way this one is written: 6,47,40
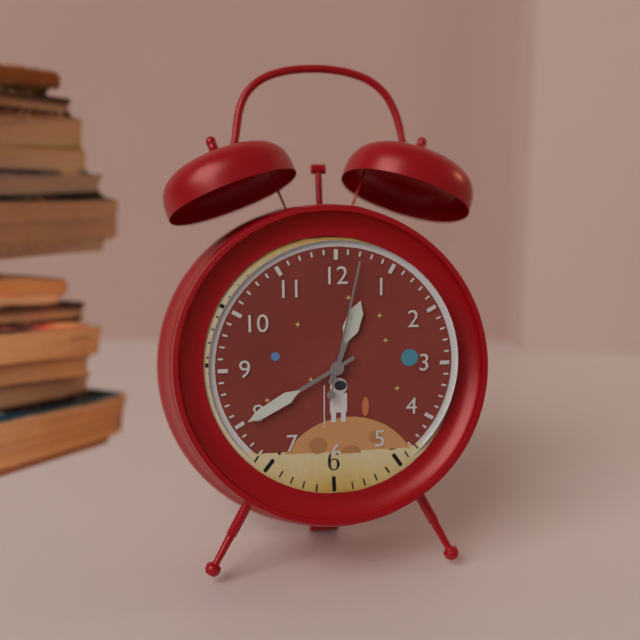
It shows 12,40,02
